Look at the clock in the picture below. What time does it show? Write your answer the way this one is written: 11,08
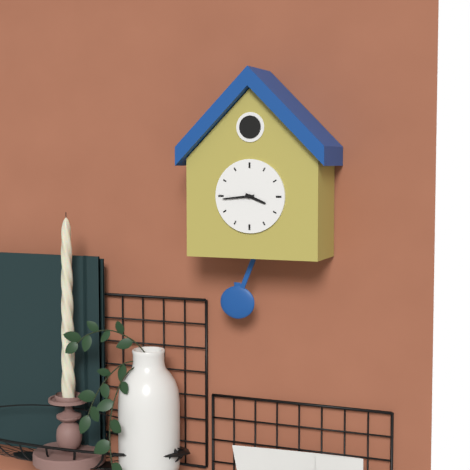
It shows 3,44
